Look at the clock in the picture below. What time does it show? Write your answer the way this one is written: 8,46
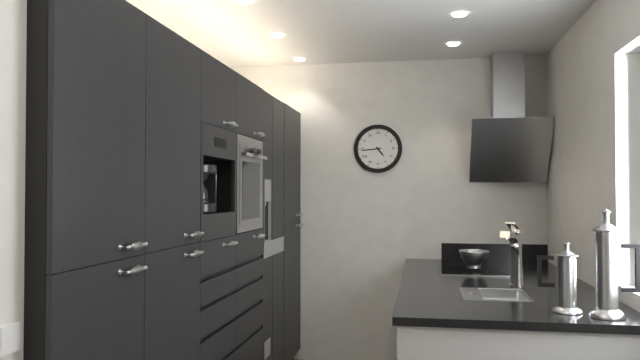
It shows 4,44
